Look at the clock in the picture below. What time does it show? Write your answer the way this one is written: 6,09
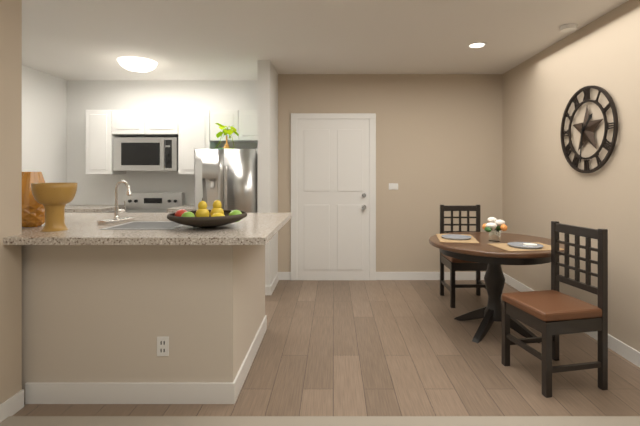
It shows 1,31
